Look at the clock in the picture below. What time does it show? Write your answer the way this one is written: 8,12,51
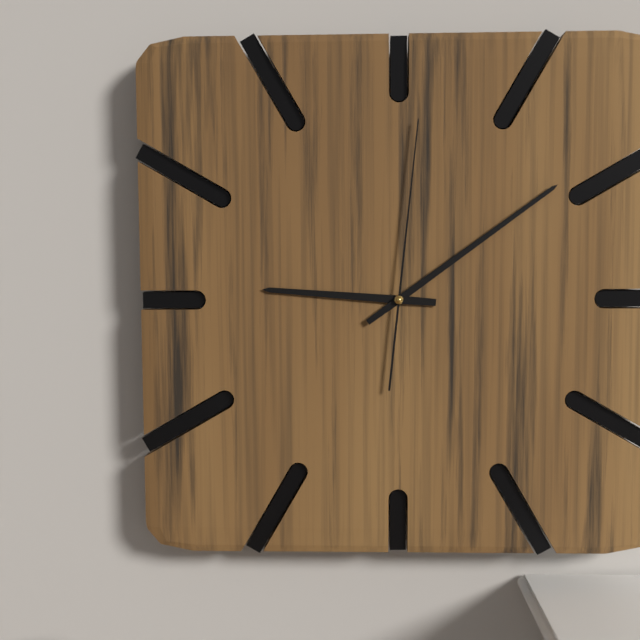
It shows 9,09,01
